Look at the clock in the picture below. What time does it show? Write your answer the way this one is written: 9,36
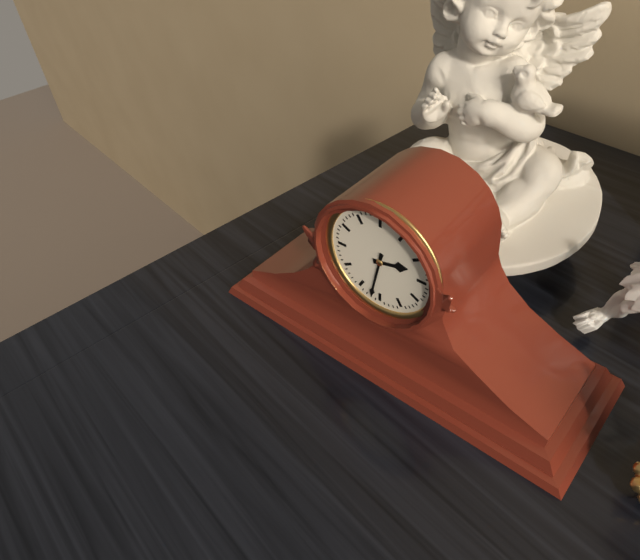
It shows 2,32
